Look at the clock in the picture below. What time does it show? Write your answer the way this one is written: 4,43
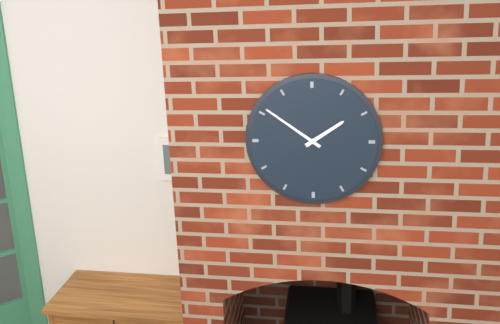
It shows 1,51
